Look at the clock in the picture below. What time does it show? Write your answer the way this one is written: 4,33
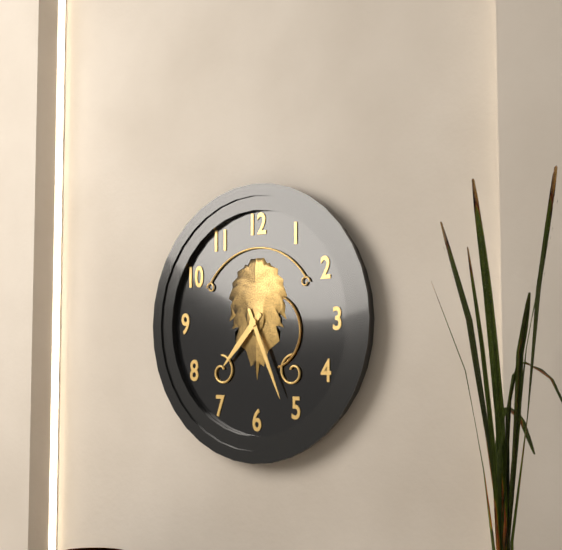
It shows 7,26
